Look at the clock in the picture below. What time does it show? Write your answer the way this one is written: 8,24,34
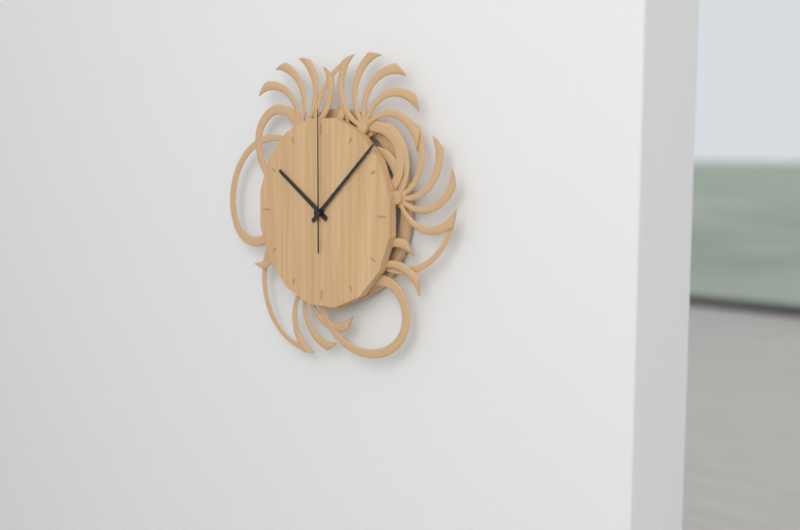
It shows 10,08,00
